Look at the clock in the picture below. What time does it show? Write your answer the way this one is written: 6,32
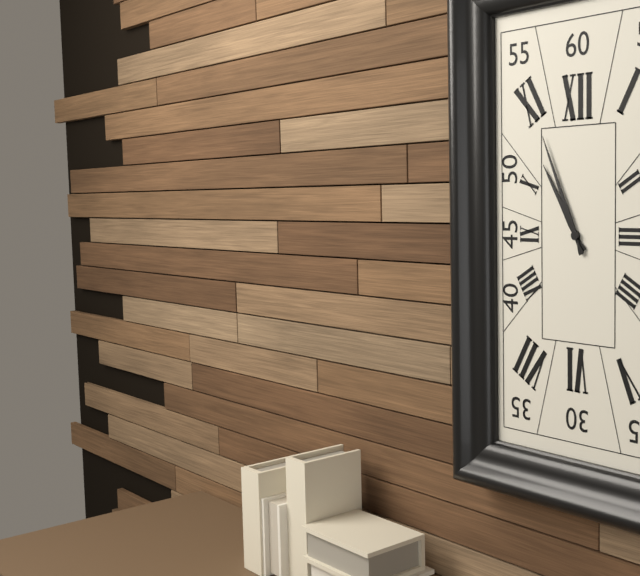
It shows 10,56
